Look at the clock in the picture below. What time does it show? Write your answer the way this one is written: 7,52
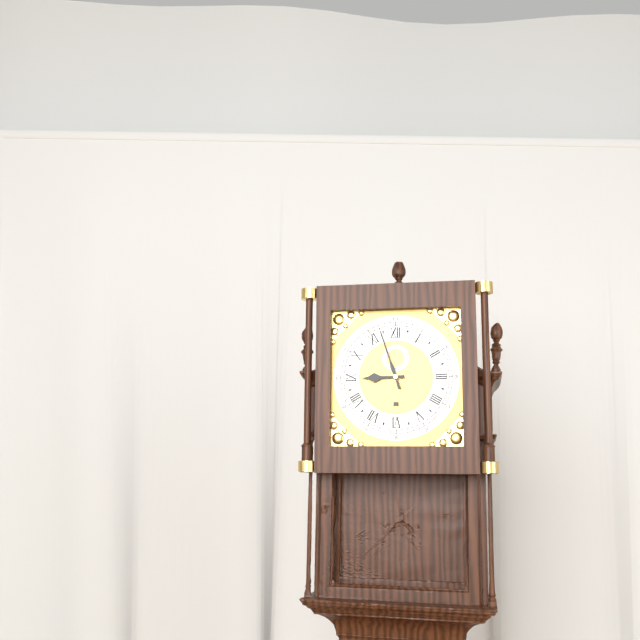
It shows 8,57
